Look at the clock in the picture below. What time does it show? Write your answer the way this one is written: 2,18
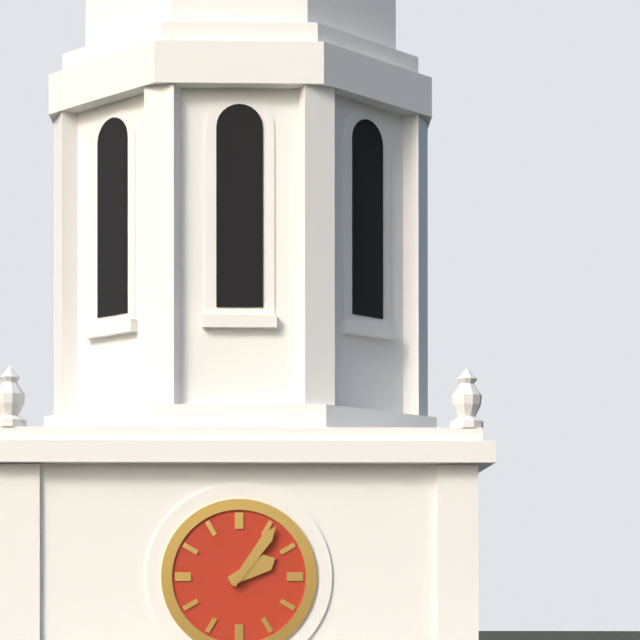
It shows 2,06
